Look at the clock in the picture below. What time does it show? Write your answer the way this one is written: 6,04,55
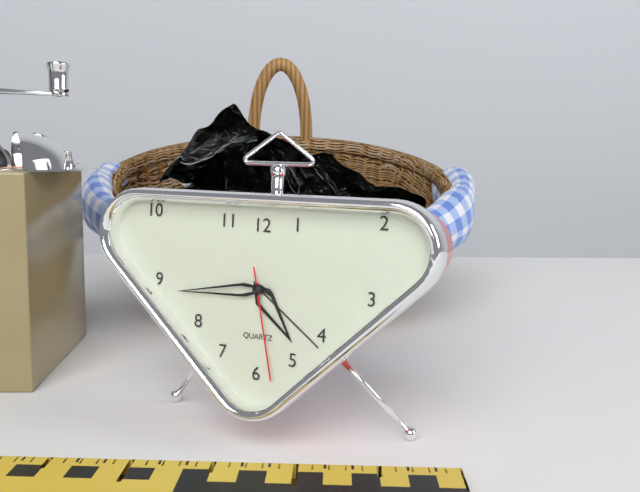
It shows 4,44,28
